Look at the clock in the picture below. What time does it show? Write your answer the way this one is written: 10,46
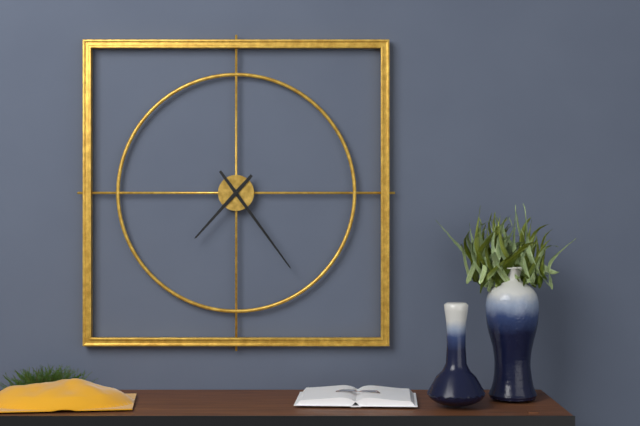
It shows 7,24
